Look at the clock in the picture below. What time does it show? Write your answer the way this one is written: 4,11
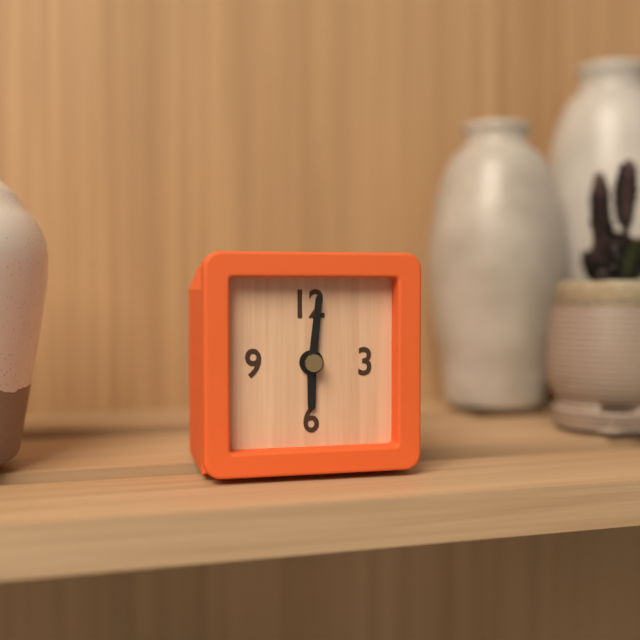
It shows 6,01
